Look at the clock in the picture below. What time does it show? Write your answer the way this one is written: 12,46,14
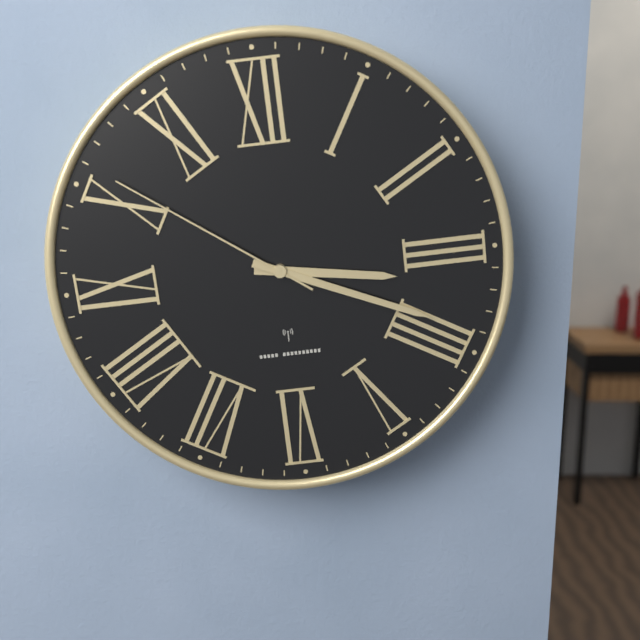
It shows 3,19,51
